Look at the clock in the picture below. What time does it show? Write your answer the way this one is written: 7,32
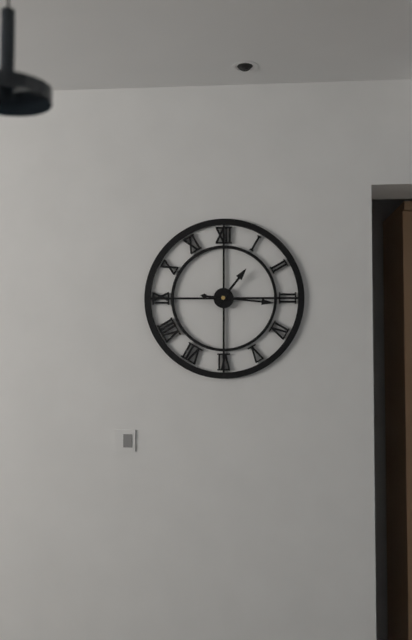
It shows 1,16
